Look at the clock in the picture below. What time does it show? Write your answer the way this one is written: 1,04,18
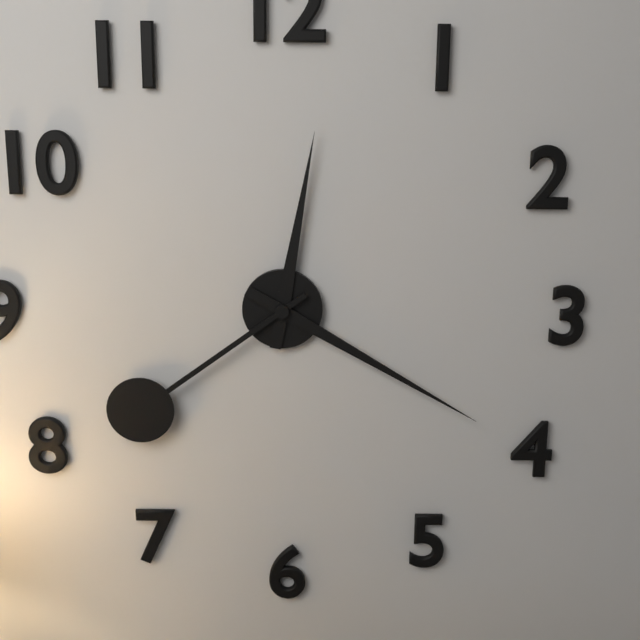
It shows 12,20,39
